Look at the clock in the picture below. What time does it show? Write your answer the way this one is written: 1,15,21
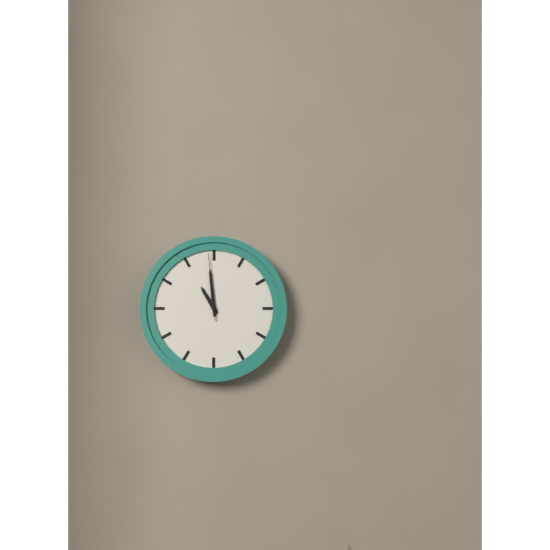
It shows 10,59,59
